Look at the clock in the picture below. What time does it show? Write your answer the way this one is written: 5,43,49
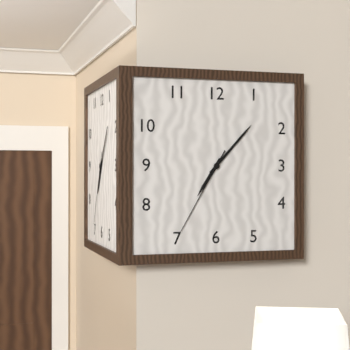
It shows 7,07,35
